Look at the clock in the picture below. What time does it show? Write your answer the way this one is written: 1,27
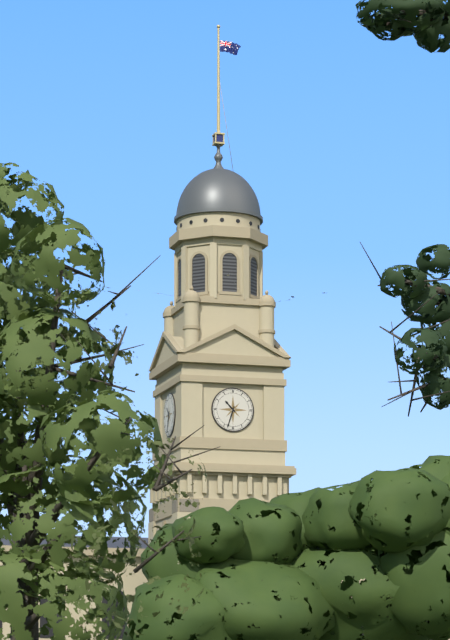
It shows 10,33
